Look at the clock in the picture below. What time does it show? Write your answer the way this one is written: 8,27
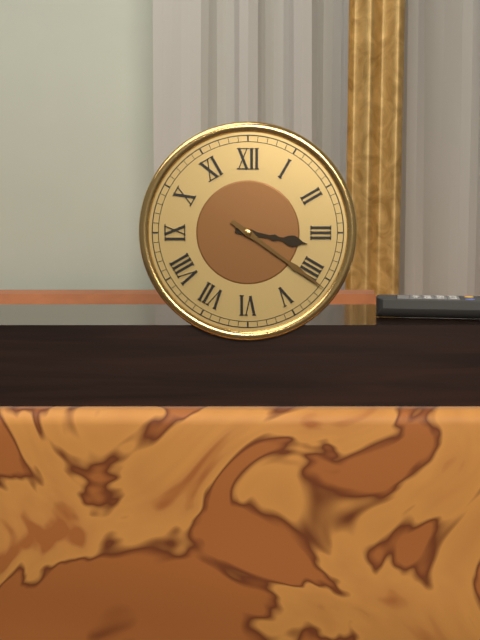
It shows 3,21
